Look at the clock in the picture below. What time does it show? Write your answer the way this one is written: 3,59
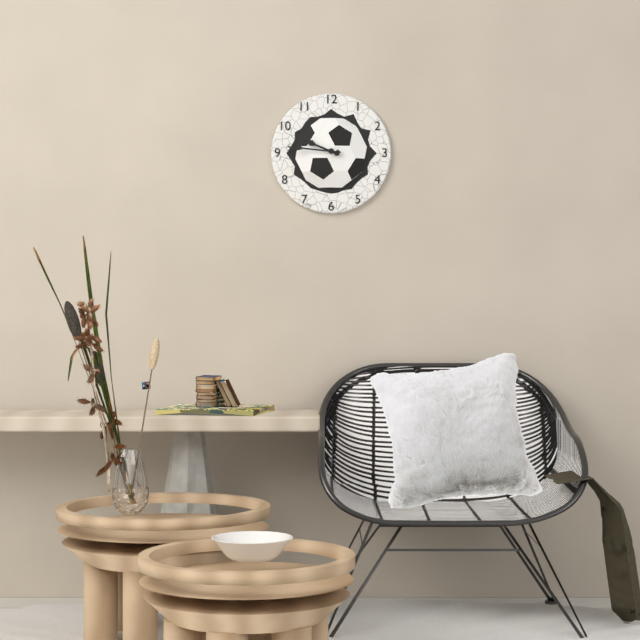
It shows 9,46
